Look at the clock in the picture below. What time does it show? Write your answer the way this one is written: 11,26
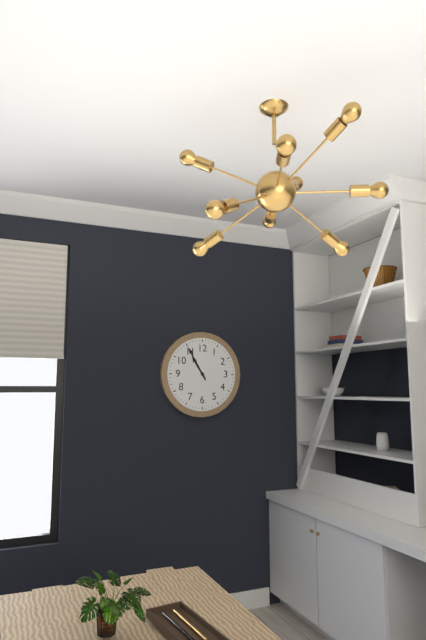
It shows 10,55
